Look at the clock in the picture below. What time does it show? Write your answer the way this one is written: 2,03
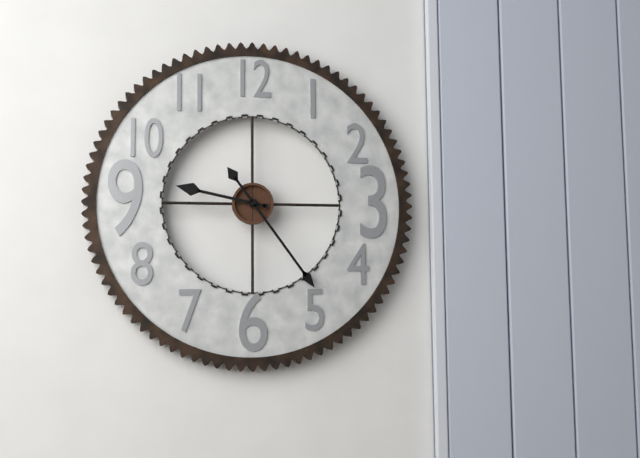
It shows 9,24
